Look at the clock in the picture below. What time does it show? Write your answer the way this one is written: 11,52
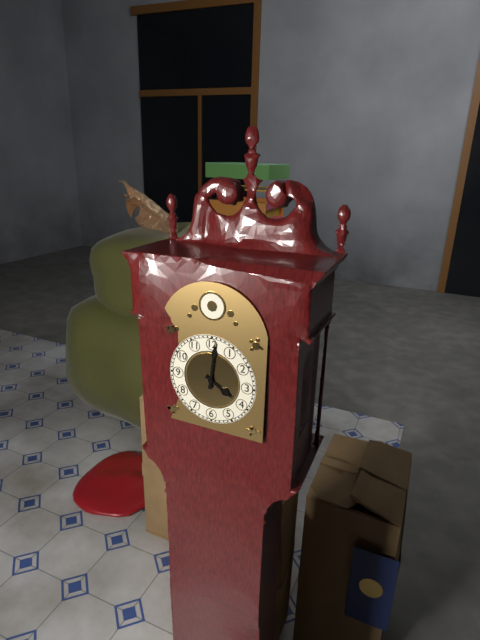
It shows 4,01
